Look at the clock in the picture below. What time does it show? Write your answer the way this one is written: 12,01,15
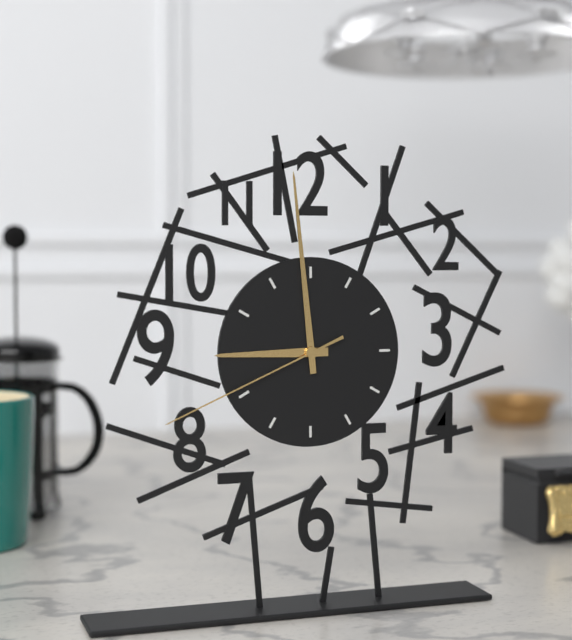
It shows 8,59,41
